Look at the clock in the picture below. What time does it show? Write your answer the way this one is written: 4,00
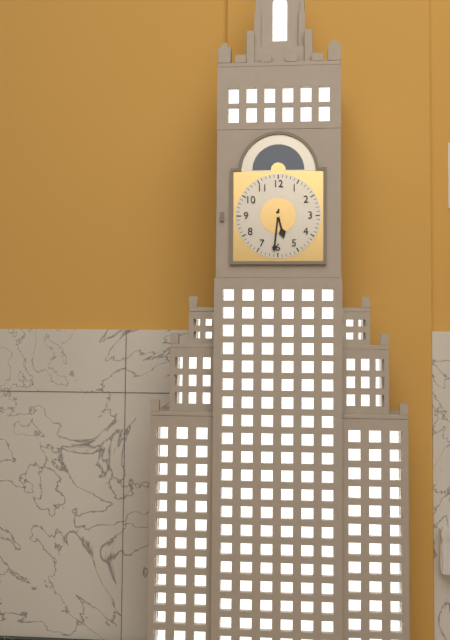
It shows 5,31
